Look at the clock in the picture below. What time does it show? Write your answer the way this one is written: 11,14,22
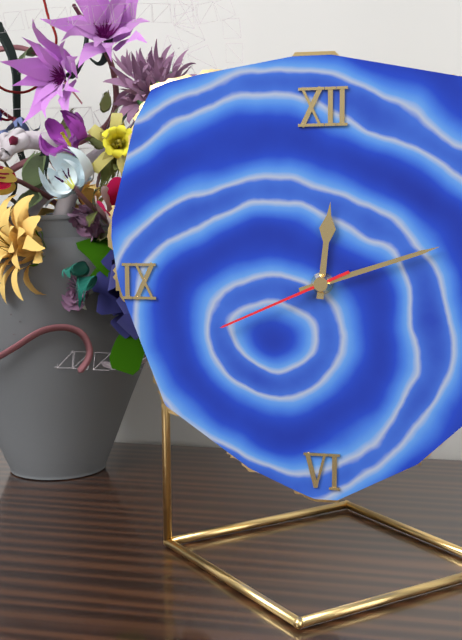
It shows 12,12,41
